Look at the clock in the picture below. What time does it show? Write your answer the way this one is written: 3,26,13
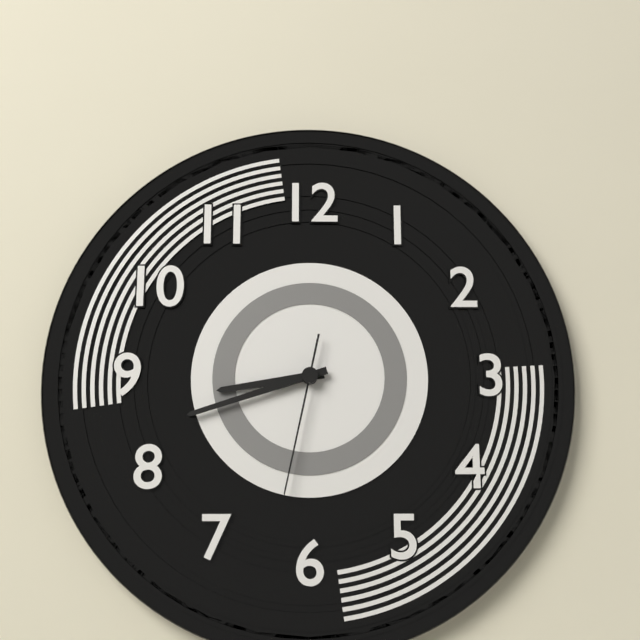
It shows 8,42,32
